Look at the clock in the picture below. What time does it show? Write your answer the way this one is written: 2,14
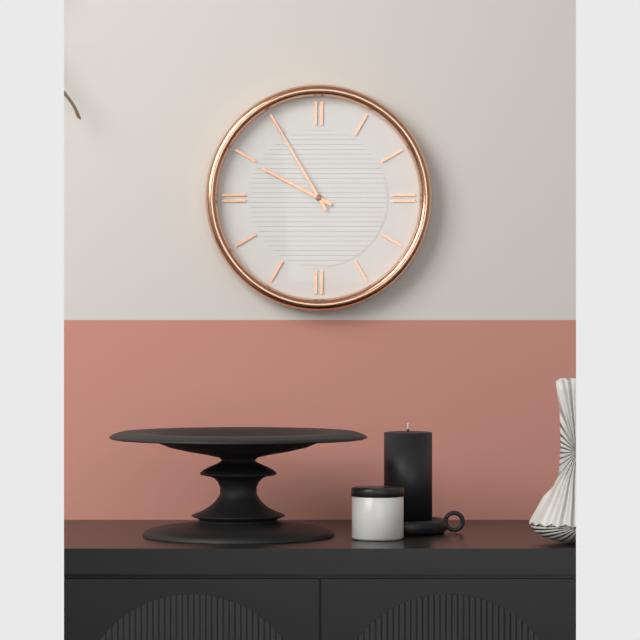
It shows 9,55
